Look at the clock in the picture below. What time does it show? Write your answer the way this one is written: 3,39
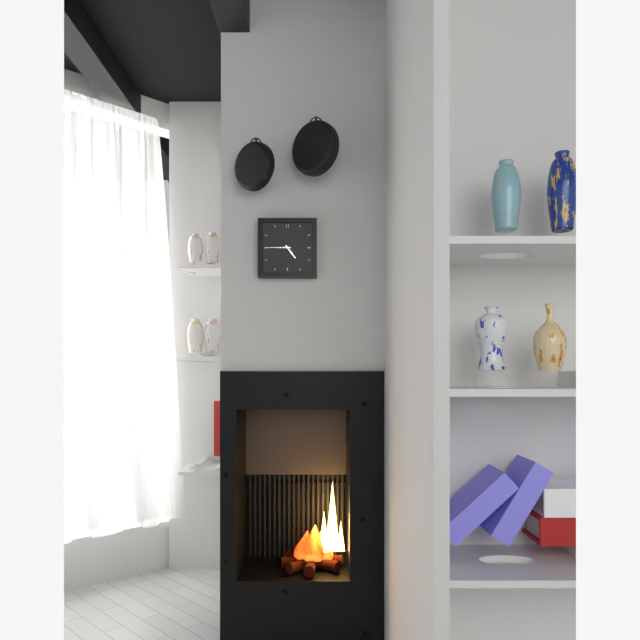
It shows 4,45
